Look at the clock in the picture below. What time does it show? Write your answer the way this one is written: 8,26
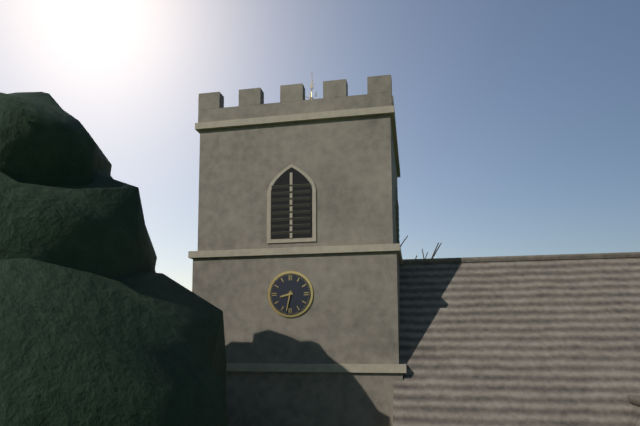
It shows 8,32
